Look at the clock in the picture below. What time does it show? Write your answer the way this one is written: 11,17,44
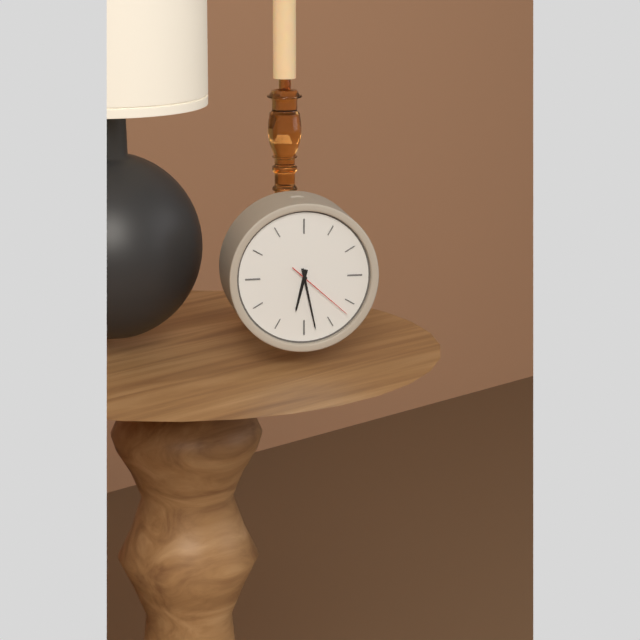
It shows 6,28,22
